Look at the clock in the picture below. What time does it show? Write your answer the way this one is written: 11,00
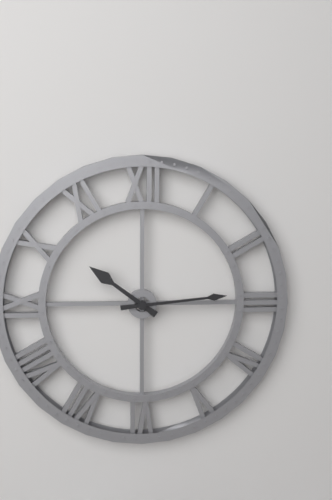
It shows 10,14
